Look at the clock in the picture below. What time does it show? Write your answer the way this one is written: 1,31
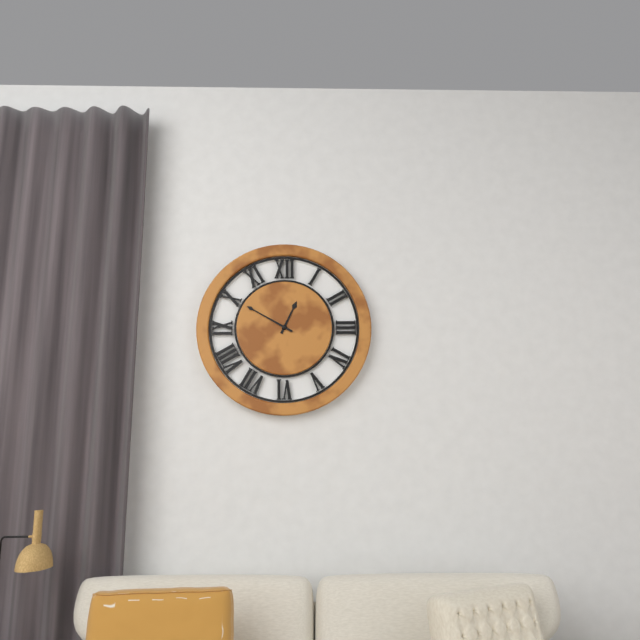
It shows 12,50
